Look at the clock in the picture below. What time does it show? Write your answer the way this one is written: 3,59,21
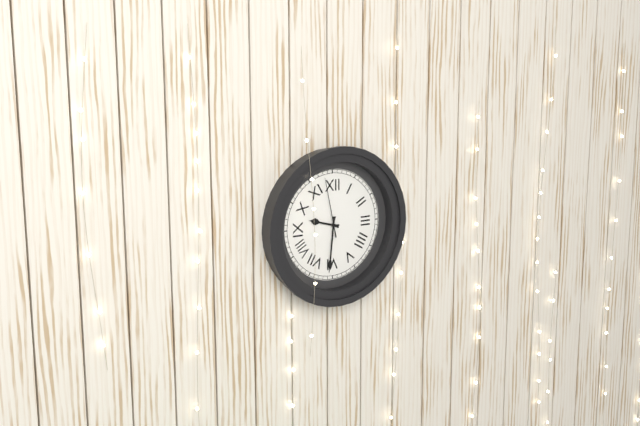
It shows 9,31,58
